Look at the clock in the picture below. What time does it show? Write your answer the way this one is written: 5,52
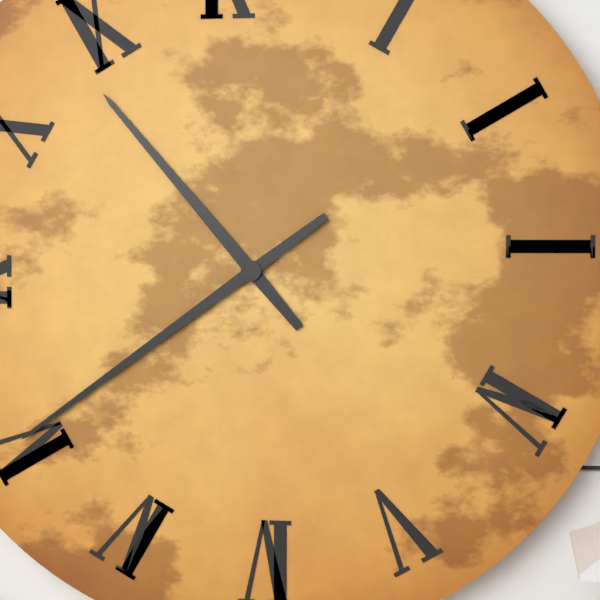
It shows 10,39
